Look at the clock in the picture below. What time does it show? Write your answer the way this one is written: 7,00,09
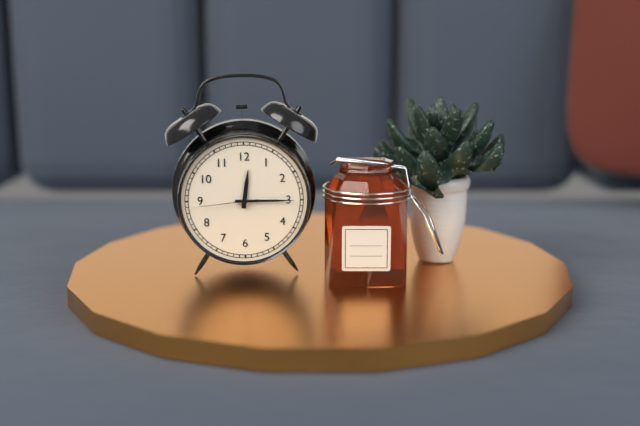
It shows 12,15,44
